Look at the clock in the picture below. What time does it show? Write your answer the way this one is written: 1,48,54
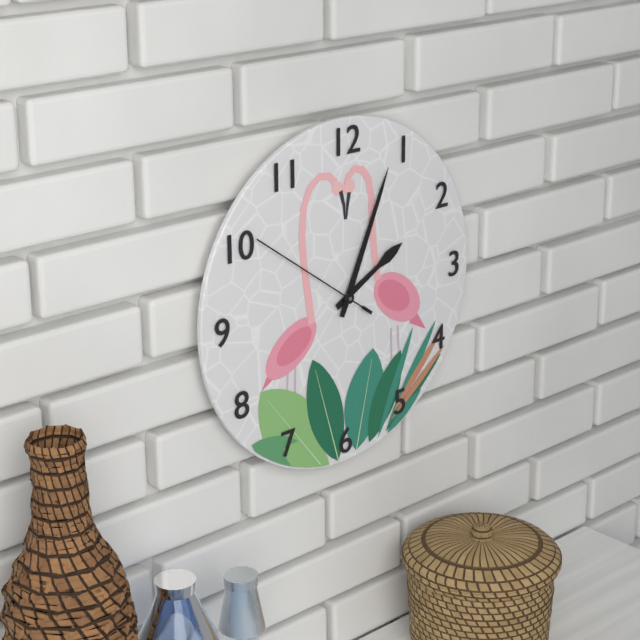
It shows 2,04,51
